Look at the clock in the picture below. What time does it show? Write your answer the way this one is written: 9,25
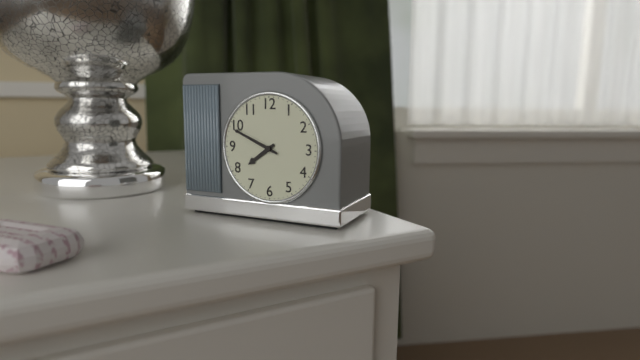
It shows 7,49
